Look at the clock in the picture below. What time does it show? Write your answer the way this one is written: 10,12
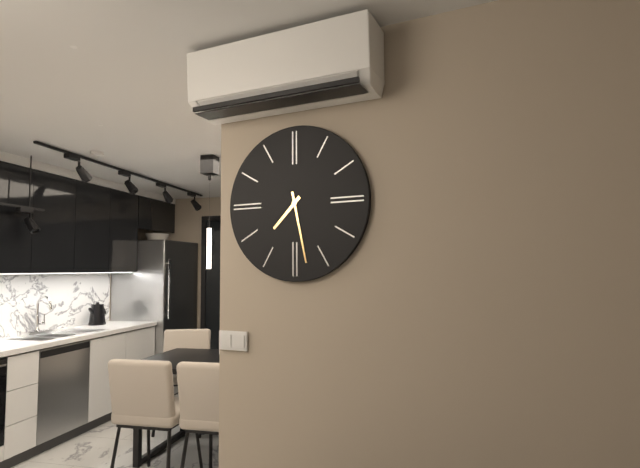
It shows 7,28
